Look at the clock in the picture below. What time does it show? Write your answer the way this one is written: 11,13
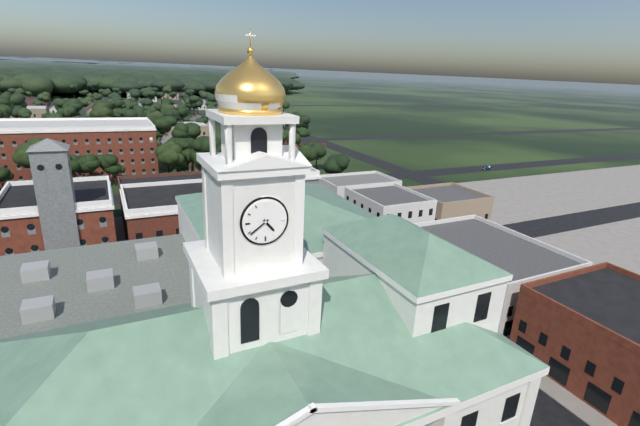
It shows 4,39
